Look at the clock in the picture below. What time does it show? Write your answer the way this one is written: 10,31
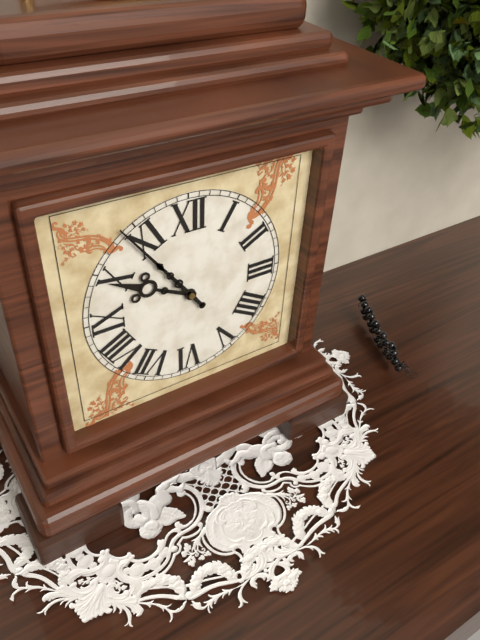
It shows 9,54
